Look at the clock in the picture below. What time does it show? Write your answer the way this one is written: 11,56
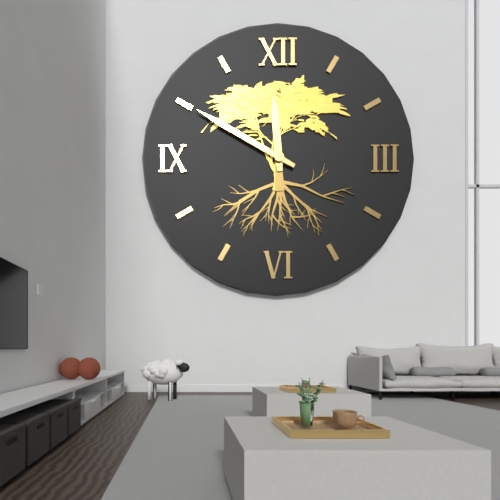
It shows 11,50
